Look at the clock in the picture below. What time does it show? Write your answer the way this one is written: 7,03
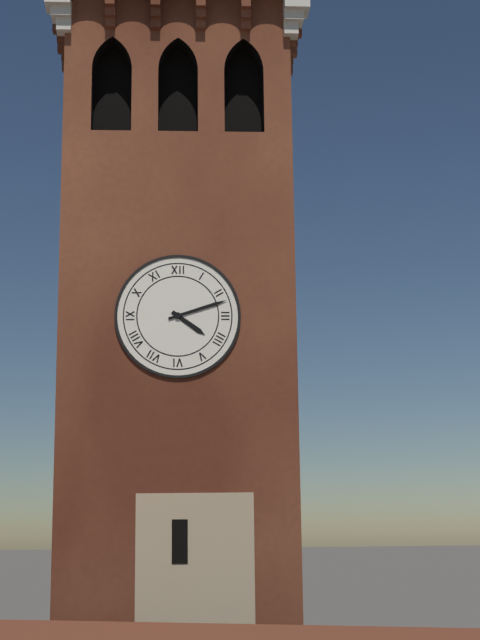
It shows 4,12
